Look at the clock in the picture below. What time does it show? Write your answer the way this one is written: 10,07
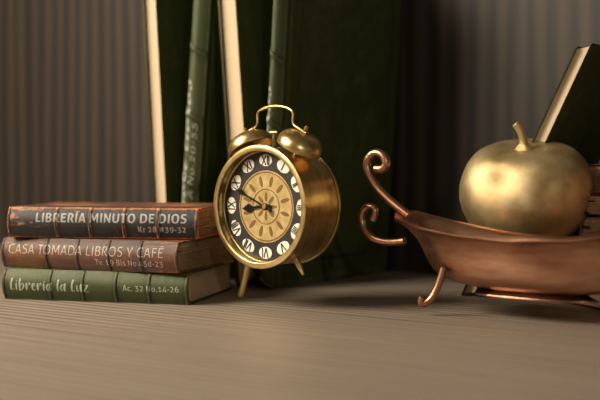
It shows 8,49
